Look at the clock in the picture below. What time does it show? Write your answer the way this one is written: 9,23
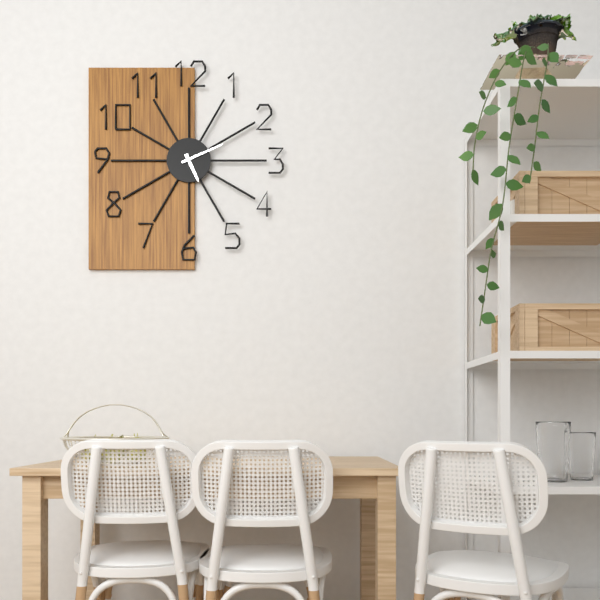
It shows 5,11
